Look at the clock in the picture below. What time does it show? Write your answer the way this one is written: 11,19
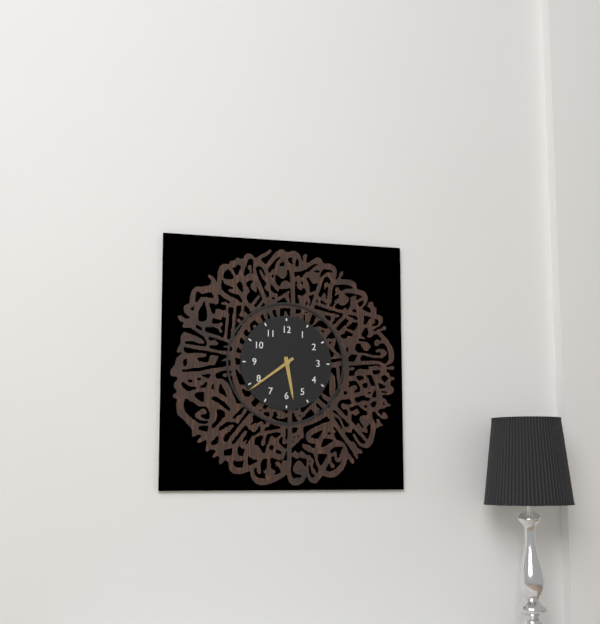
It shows 5,39
